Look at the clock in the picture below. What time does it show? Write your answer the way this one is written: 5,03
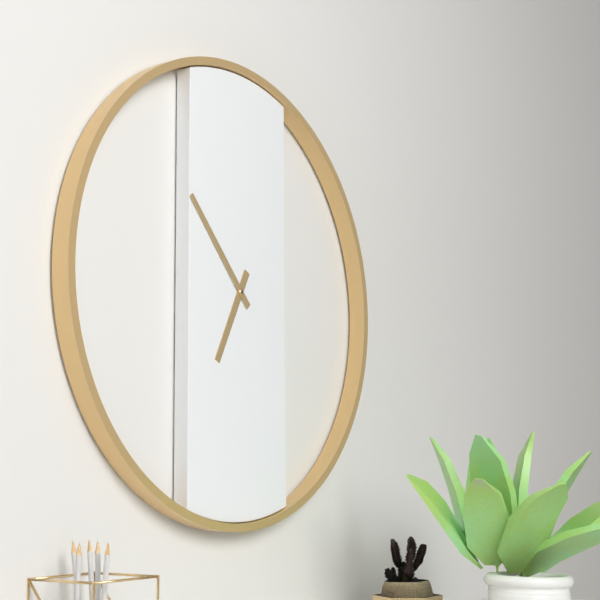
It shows 6,53
